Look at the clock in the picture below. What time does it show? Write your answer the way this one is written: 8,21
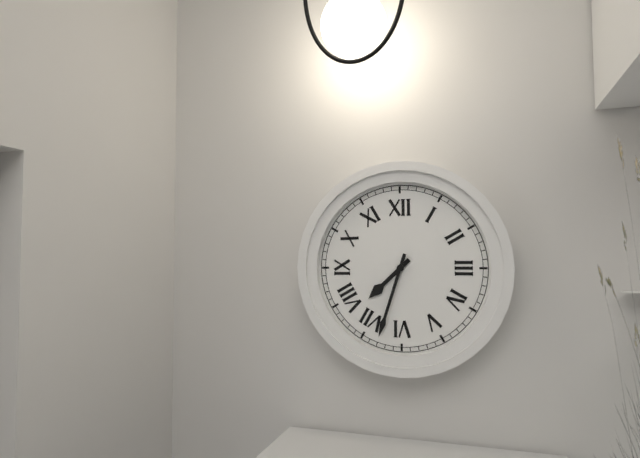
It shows 7,33
